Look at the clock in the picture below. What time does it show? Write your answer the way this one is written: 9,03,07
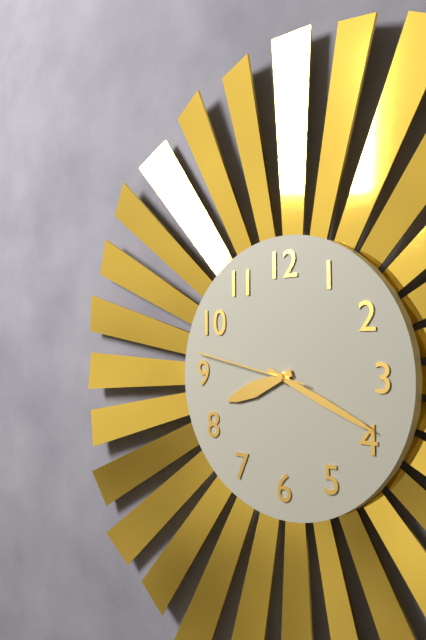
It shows 8,19,47
